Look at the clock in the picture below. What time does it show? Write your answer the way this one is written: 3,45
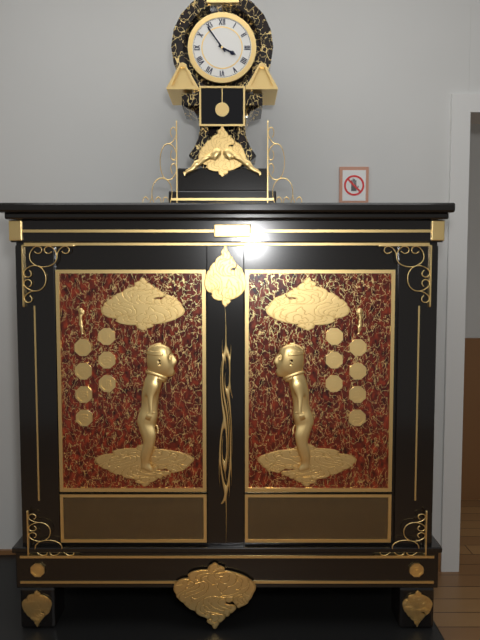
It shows 3,54
